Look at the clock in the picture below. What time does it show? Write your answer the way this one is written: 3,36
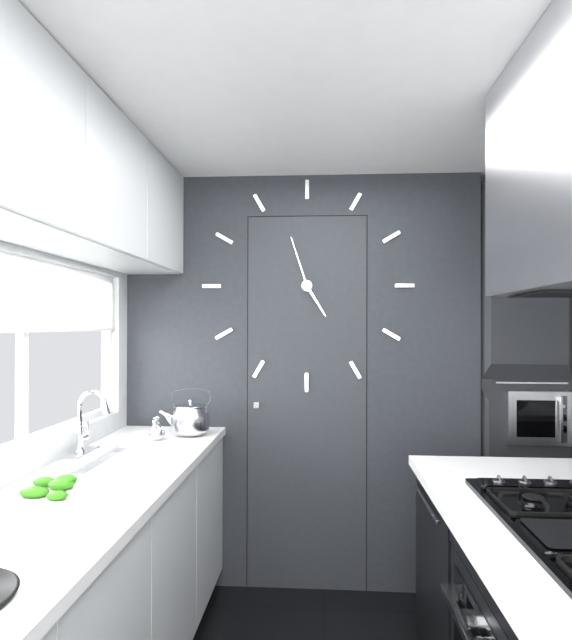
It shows 4,57
